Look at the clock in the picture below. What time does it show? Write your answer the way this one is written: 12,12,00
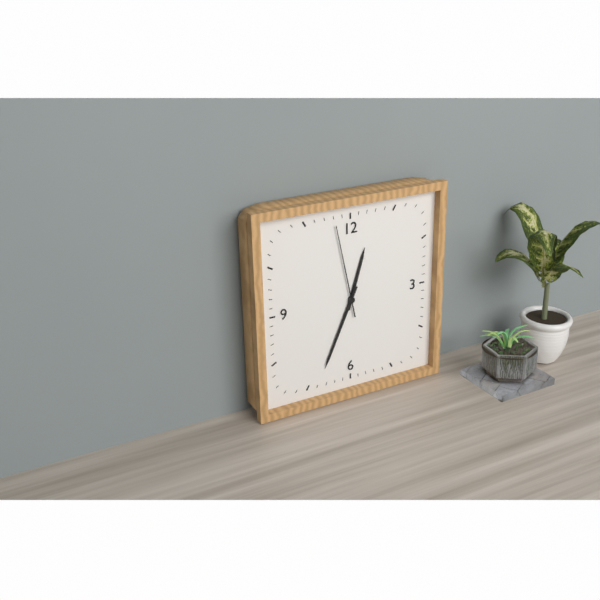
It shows 12,34,58
